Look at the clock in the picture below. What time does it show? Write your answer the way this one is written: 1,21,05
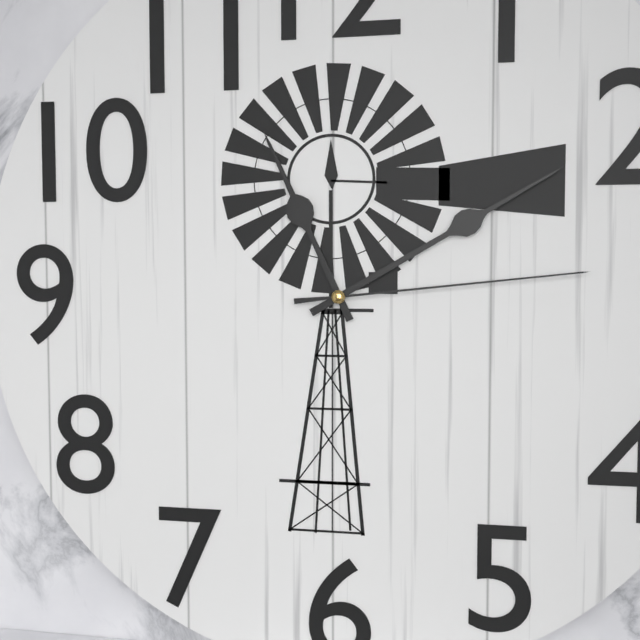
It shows 11,10,14
